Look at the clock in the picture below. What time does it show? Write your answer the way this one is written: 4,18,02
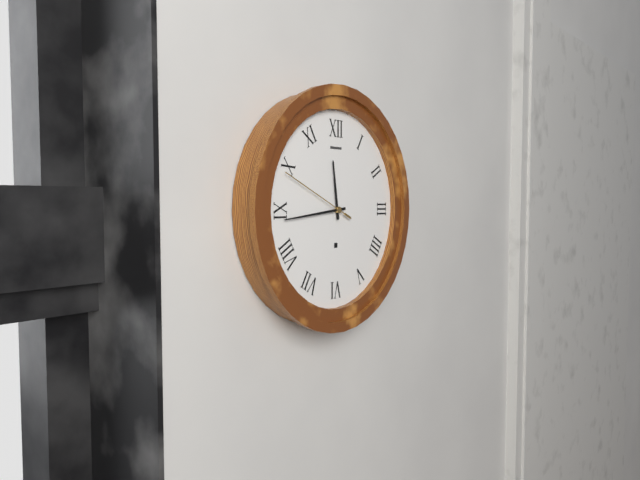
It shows 11,44,49
